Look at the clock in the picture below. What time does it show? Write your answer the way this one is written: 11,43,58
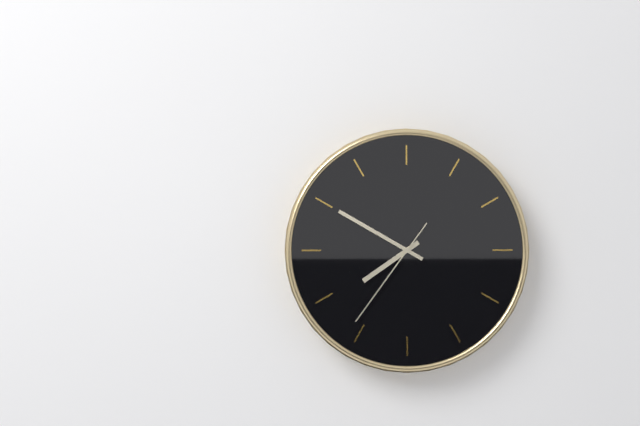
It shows 7,50,36
